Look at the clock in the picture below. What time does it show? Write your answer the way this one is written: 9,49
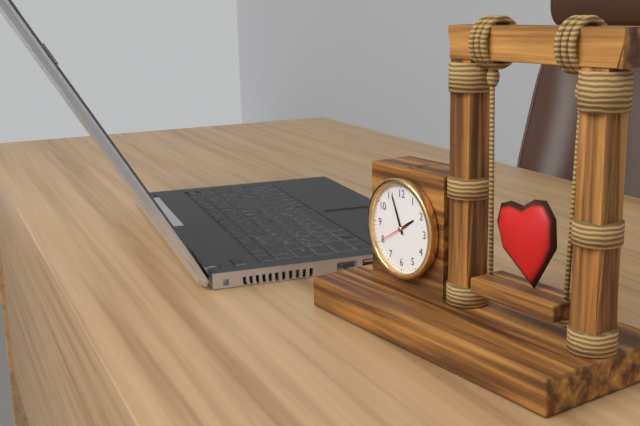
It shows 1,56
